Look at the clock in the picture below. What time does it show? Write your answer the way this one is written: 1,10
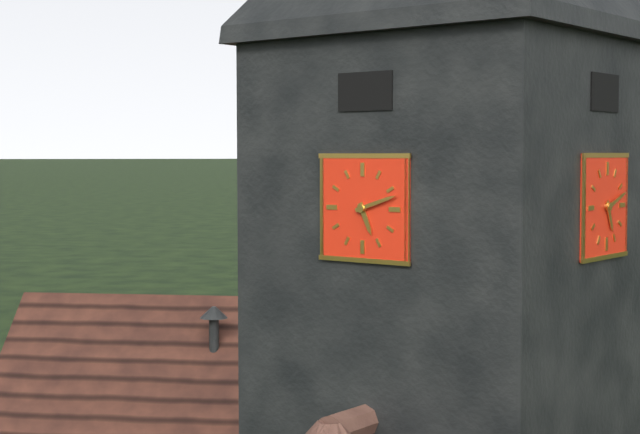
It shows 5,12
